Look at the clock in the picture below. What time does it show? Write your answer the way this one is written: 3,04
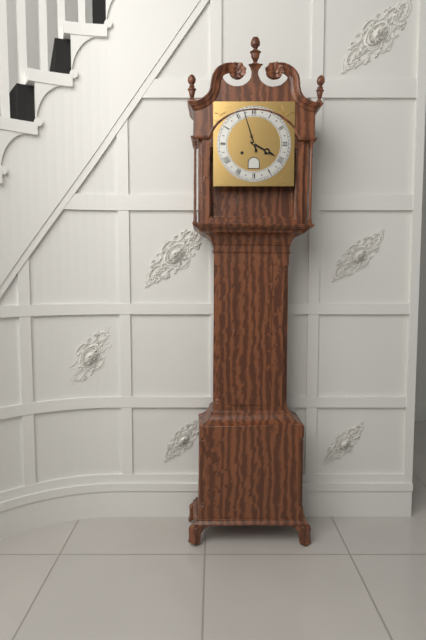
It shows 3,57
